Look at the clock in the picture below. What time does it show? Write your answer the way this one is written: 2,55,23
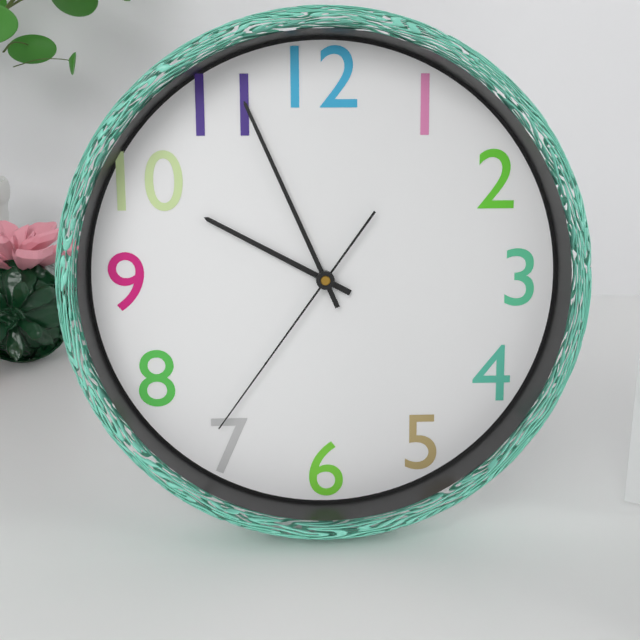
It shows 9,56,36
